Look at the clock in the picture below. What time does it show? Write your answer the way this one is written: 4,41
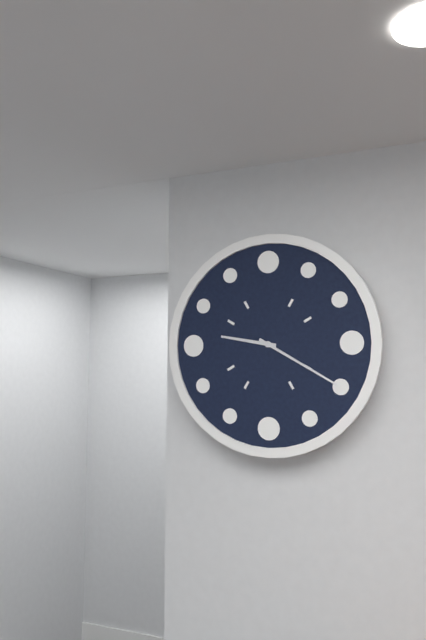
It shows 9,20
